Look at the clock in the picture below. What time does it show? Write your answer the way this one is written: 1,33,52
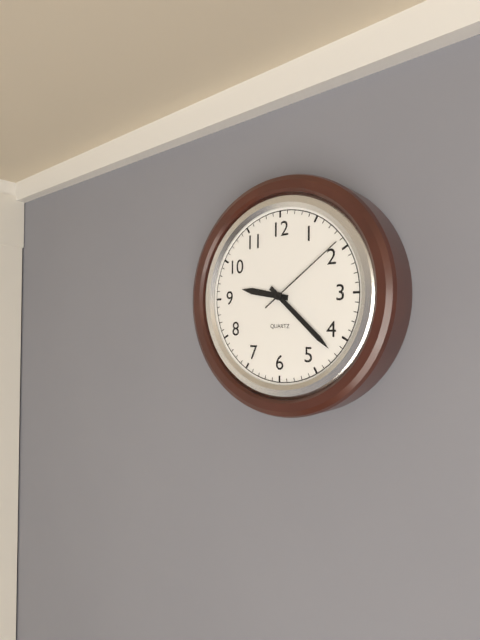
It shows 9,22,09
